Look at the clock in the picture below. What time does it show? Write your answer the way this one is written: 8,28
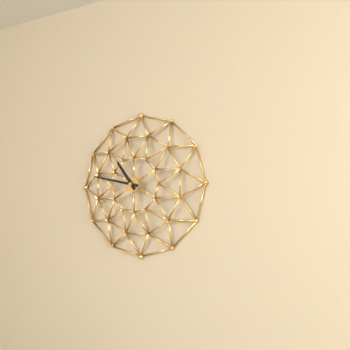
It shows 10,47
